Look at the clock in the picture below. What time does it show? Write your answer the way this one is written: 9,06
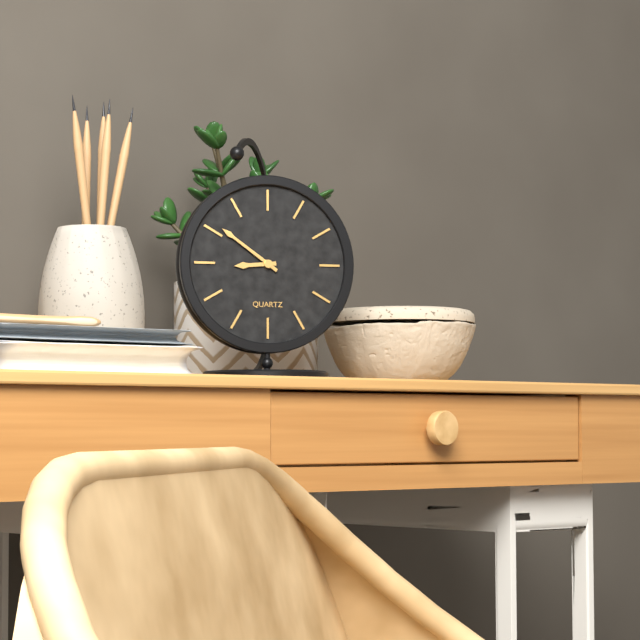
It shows 8,51
